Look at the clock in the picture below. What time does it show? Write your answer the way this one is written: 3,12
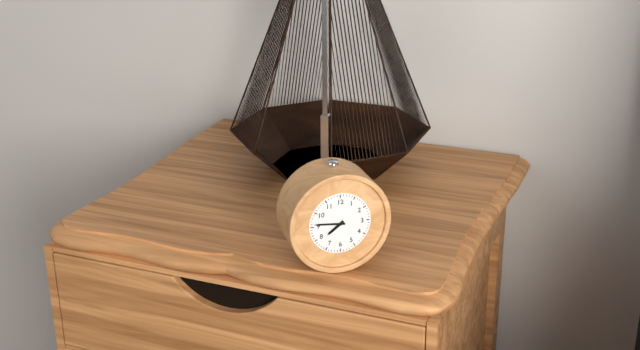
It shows 7,46
